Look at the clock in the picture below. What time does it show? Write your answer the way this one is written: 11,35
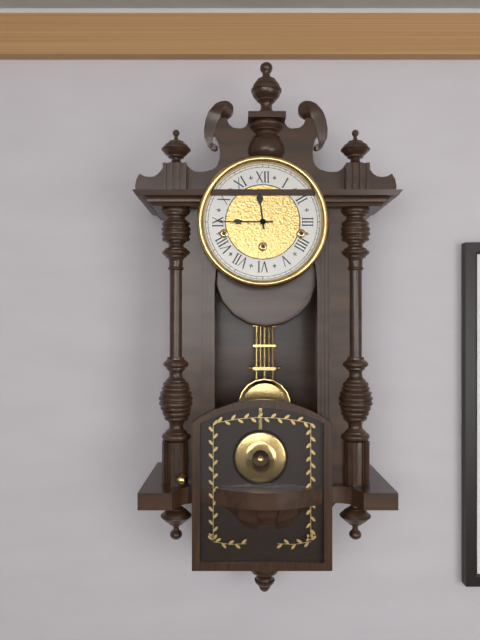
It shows 11,45
